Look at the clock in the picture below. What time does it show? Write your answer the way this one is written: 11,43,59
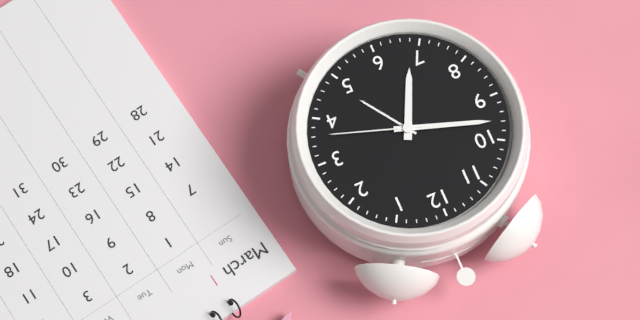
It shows 6,48,18
